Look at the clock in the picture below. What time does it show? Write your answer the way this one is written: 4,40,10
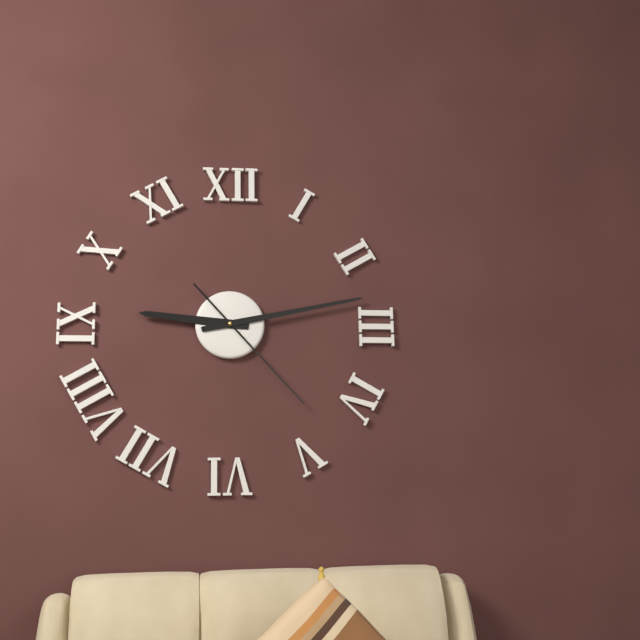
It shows 9,13,23
